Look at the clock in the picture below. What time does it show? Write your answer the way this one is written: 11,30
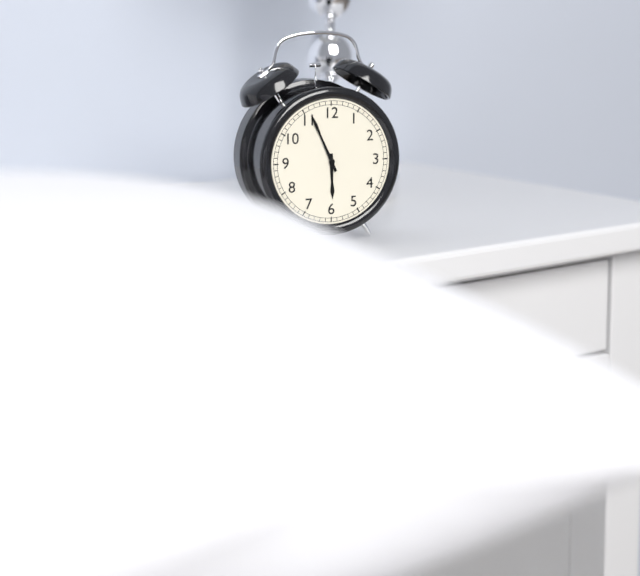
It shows 5,56
